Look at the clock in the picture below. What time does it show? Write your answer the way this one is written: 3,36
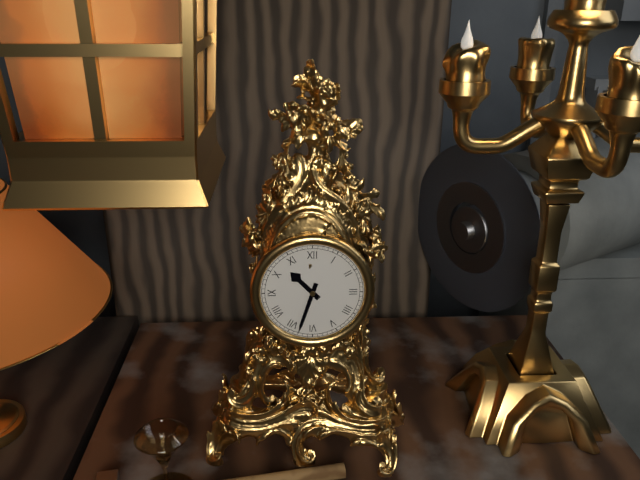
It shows 10,33
